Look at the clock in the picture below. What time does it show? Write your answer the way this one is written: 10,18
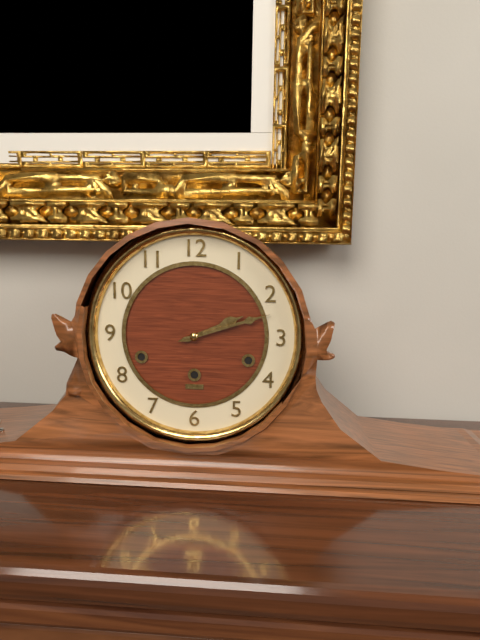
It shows 2,12
